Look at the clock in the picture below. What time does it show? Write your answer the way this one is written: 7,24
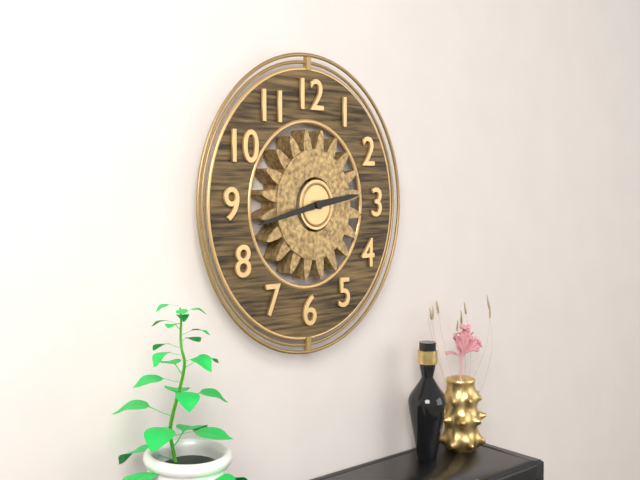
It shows 2,43
